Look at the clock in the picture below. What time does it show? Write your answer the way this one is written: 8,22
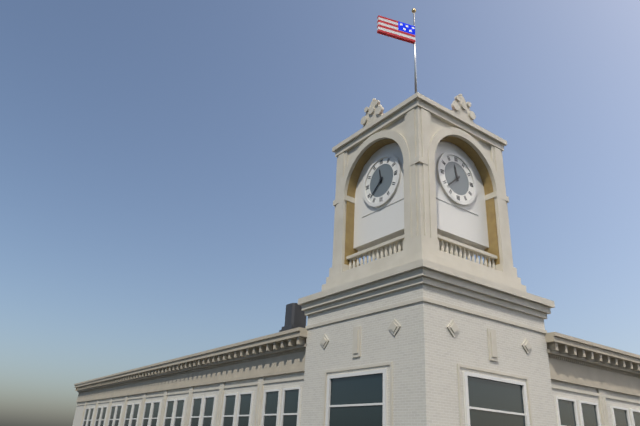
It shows 11,38
